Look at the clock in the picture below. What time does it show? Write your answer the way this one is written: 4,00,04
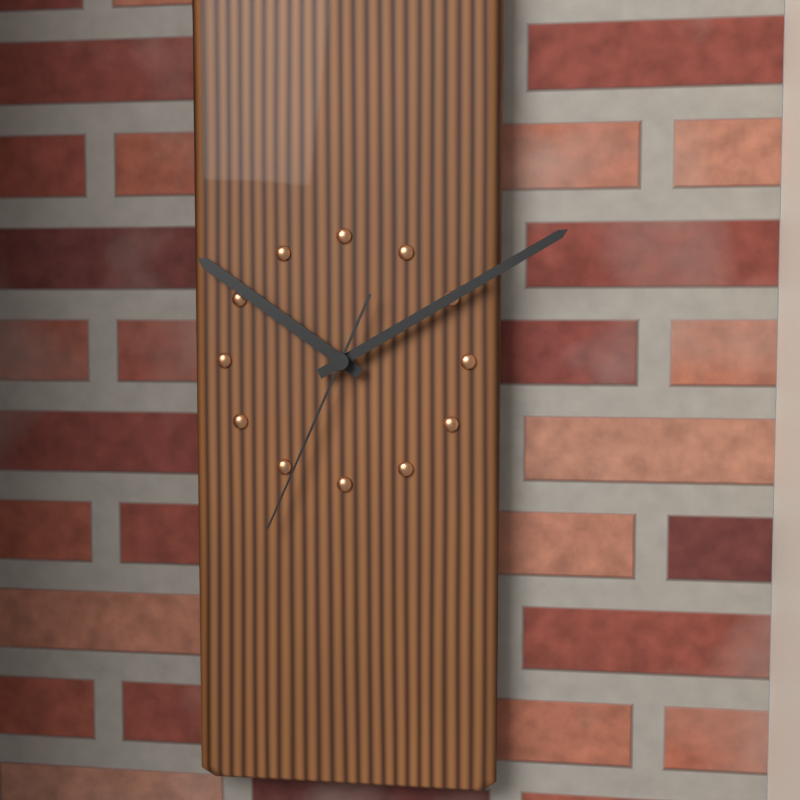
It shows 10,10,34
